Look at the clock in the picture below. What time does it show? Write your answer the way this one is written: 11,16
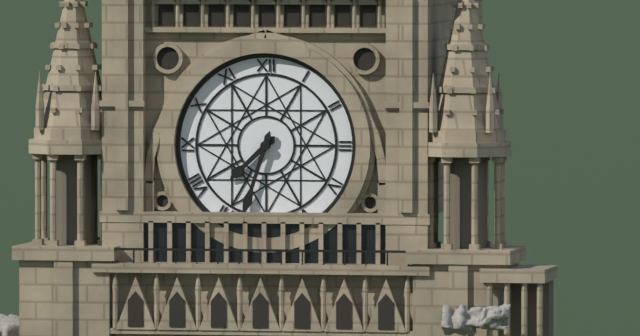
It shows 7,33
